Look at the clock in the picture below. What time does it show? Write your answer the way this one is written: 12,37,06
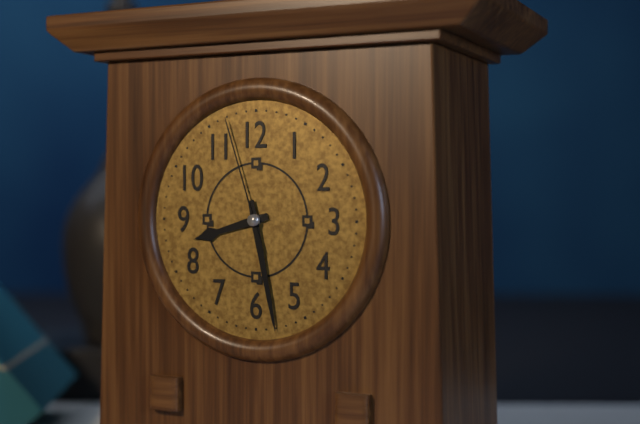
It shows 8,28,57
